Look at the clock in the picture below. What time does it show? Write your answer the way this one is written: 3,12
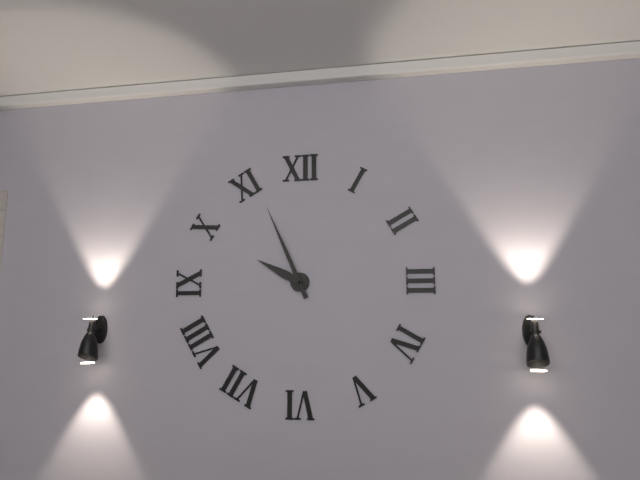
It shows 9,56
